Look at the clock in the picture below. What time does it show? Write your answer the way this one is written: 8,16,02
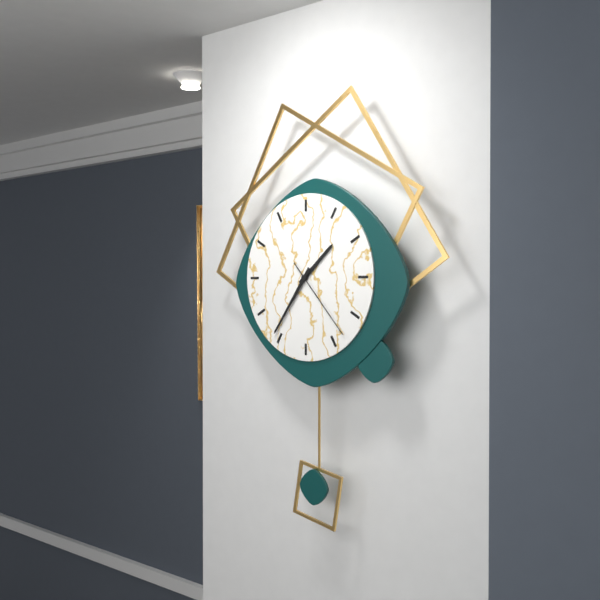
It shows 1,36,23
